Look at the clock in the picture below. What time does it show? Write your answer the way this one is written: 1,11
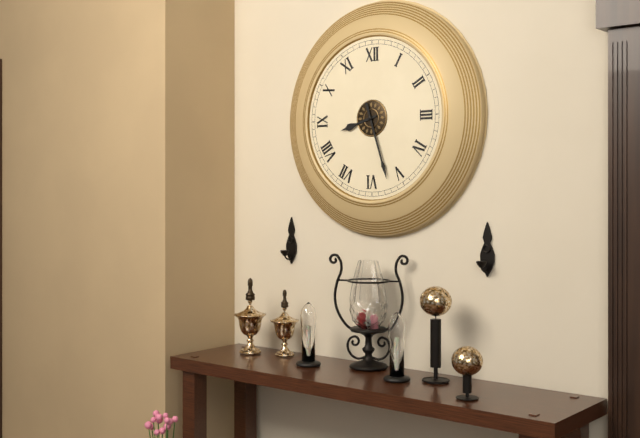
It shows 8,27
